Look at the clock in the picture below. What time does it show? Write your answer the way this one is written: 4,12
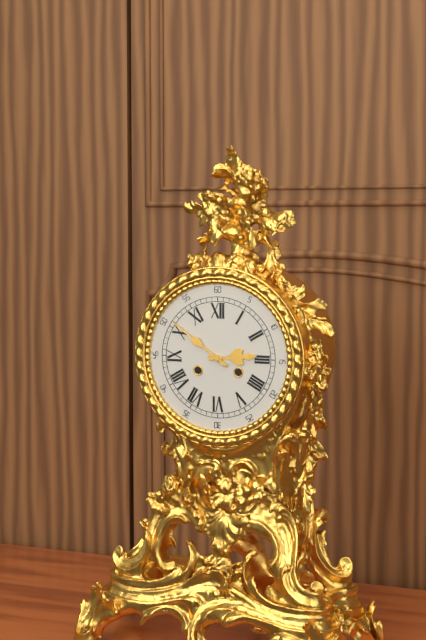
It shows 2,51
